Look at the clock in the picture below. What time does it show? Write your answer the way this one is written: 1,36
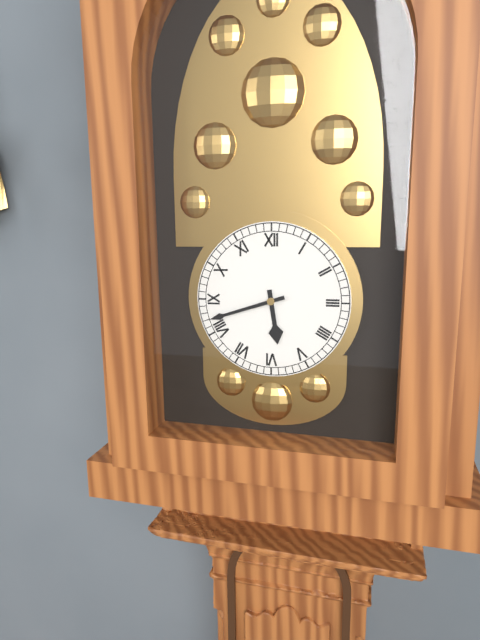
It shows 5,42
